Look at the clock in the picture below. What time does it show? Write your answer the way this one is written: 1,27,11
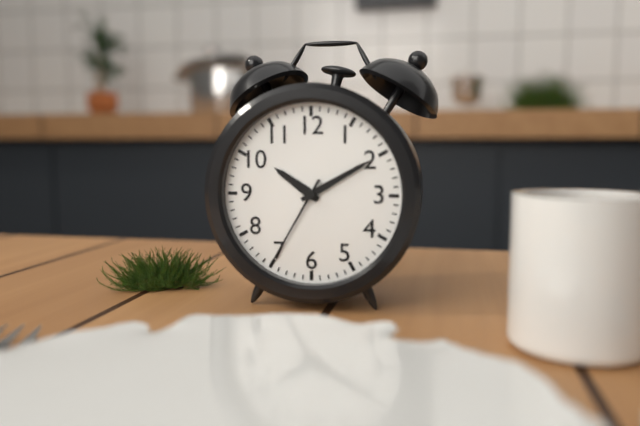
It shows 10,10,35
